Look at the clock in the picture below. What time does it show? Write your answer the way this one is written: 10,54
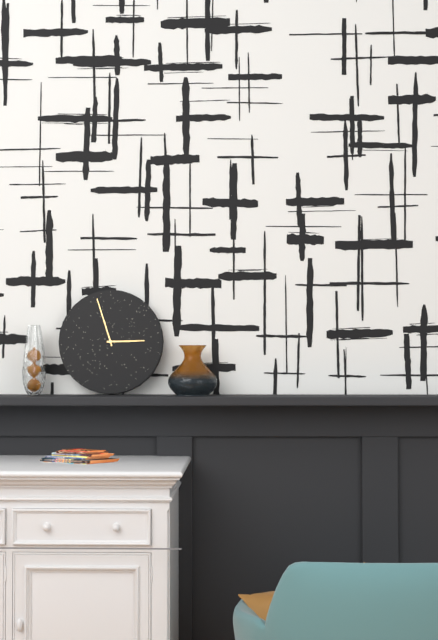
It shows 2,57
